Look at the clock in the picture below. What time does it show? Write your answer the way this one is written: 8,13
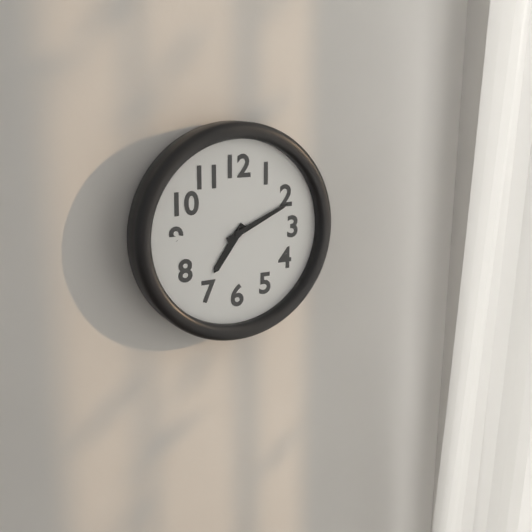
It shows 7,11
